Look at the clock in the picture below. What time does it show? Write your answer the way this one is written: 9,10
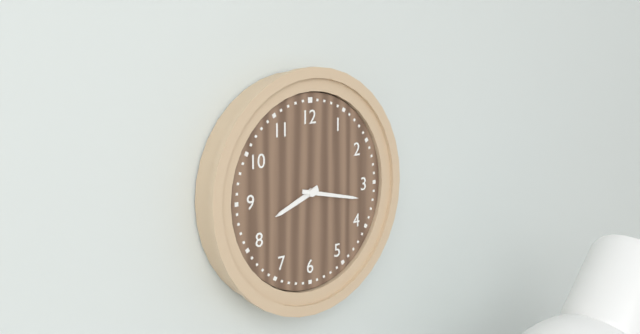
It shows 8,17
